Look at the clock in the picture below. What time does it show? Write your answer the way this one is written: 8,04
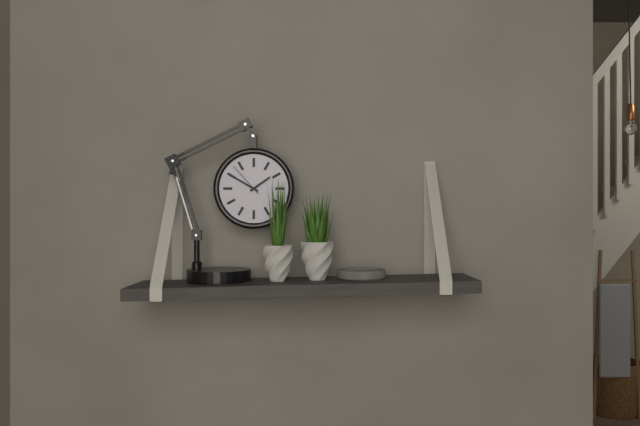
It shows 1,50
